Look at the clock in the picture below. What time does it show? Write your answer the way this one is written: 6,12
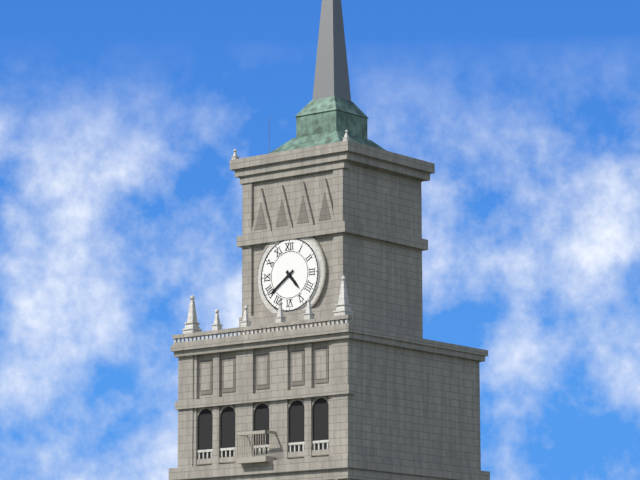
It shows 4,39
